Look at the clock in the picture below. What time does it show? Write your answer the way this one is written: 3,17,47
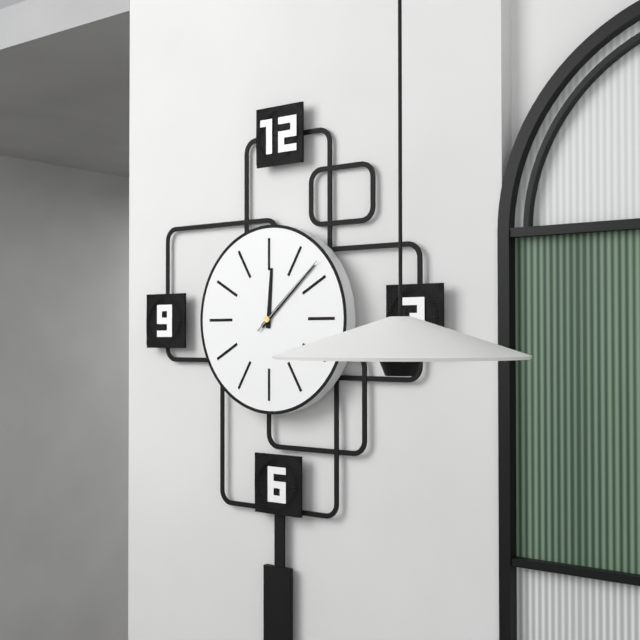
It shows 12,08,08
